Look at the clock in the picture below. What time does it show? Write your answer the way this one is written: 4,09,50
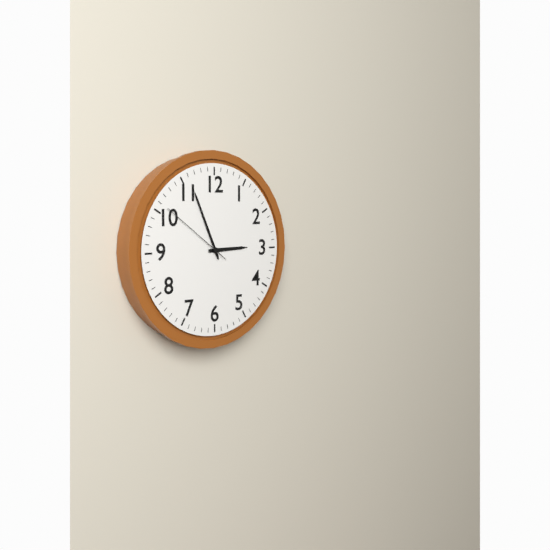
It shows 2,56,51
